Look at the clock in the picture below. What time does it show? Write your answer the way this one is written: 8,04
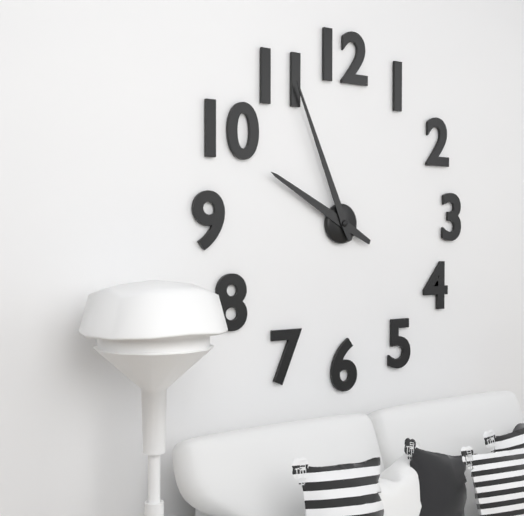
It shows 9,56
